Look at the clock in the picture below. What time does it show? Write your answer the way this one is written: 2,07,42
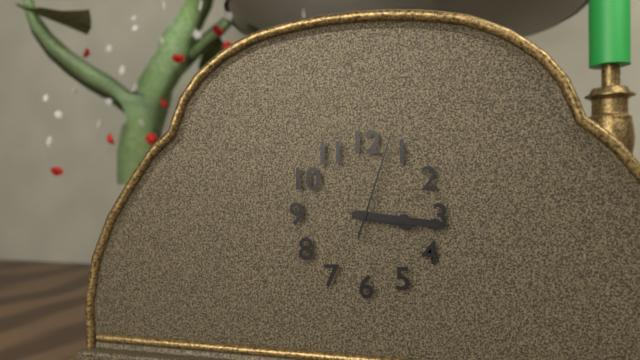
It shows 3,16,03
